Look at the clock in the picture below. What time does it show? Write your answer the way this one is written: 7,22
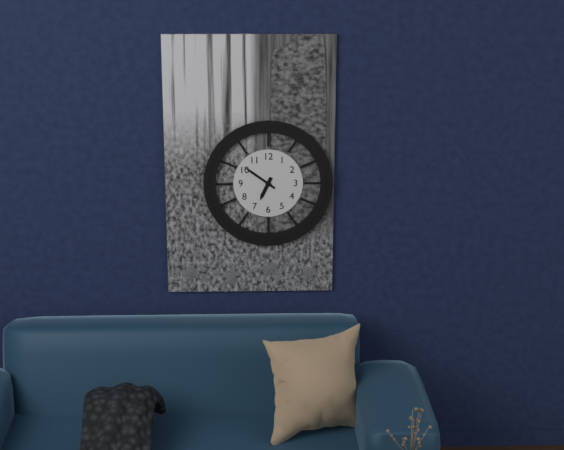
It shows 6,51
